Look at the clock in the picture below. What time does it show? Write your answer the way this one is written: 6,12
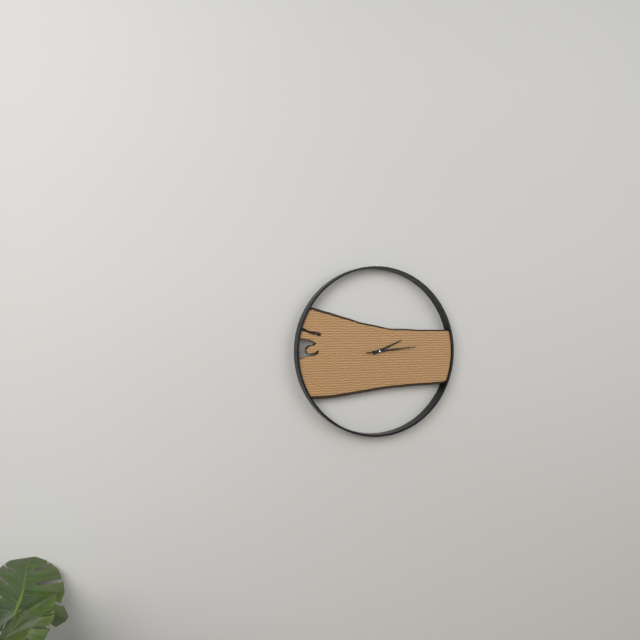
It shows 2,14
